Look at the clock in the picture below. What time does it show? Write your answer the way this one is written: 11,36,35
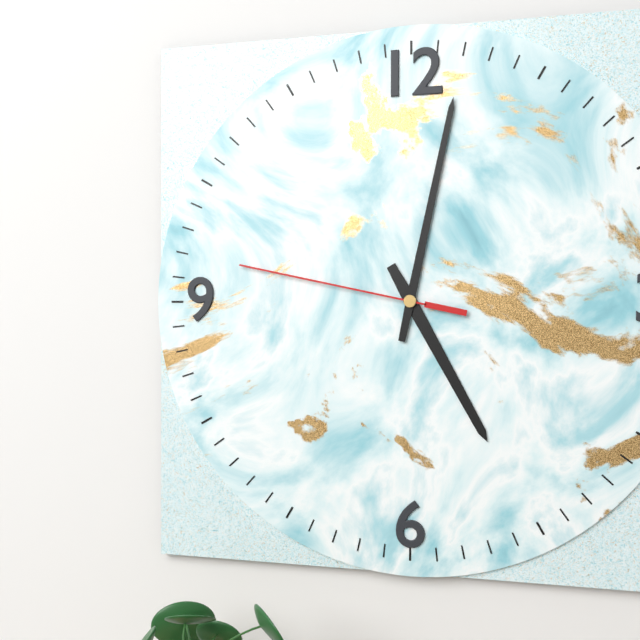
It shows 5,02,47
